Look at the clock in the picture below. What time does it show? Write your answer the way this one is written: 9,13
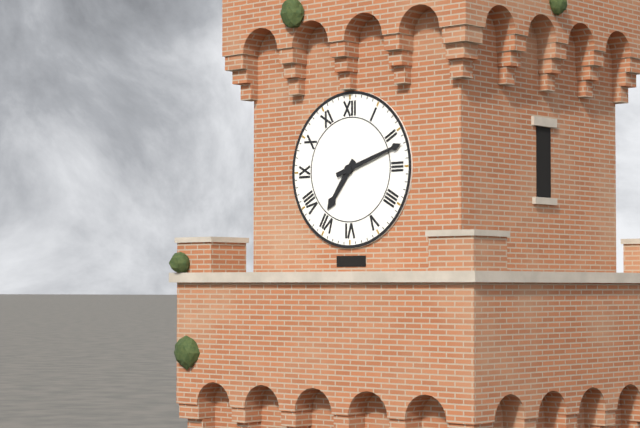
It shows 7,12
